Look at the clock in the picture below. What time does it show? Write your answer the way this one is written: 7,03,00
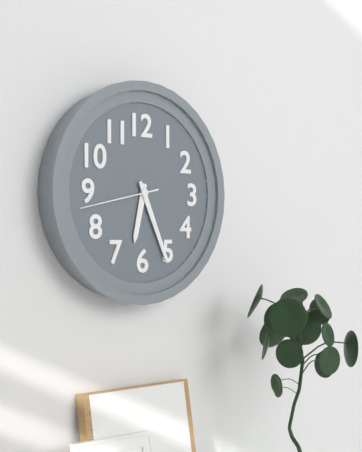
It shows 6,26,43
